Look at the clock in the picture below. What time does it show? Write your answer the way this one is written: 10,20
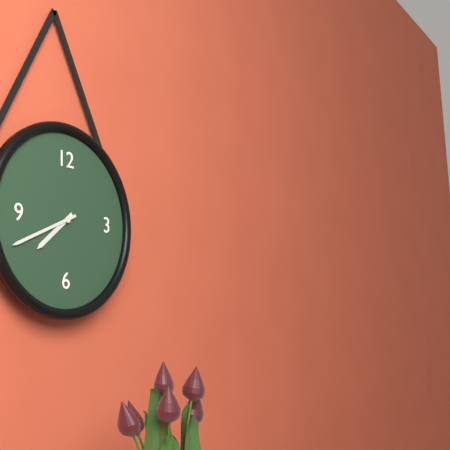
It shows 7,41
